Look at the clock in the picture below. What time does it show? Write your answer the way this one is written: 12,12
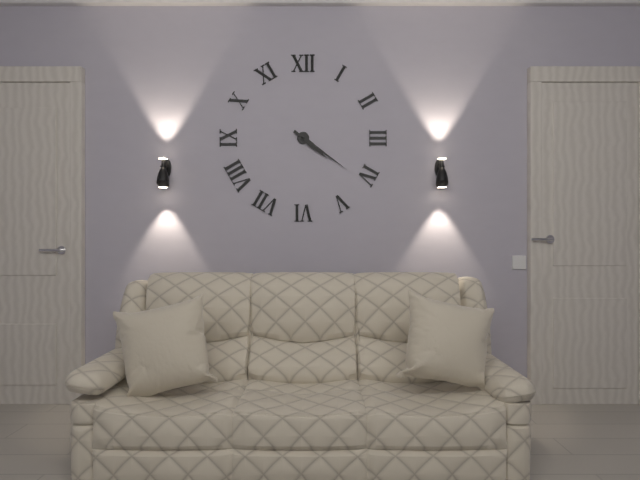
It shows 4,21
